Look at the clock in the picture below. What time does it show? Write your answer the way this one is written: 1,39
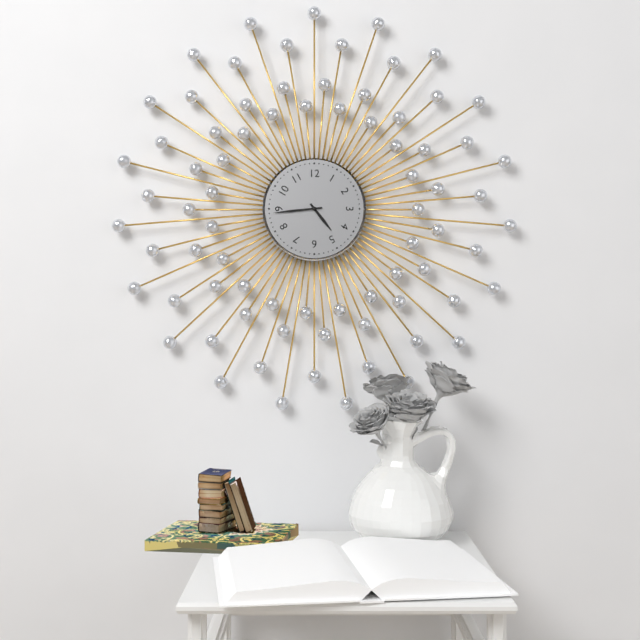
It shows 4,44
